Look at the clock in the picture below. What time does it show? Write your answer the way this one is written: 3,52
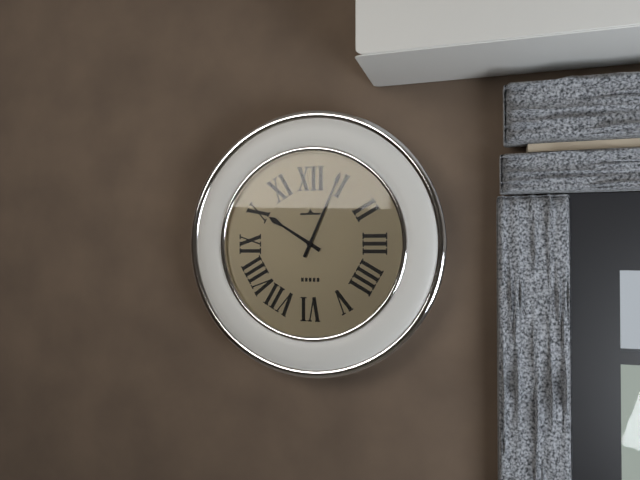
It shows 10,04
